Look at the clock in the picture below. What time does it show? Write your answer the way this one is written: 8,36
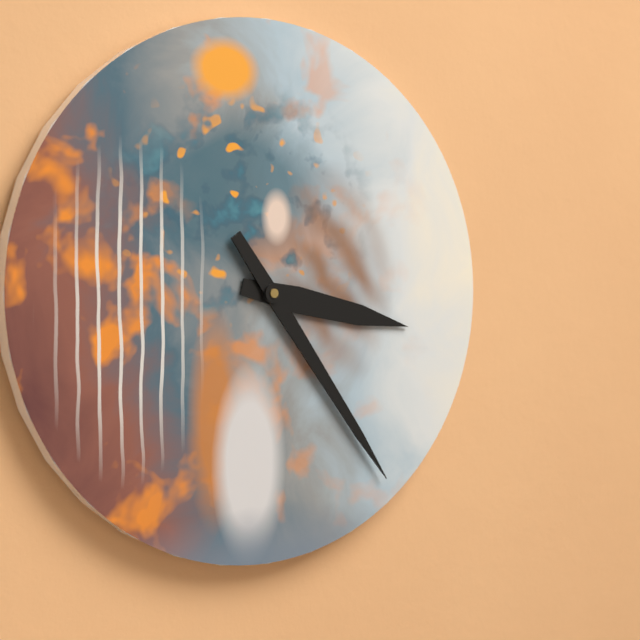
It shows 3,24
